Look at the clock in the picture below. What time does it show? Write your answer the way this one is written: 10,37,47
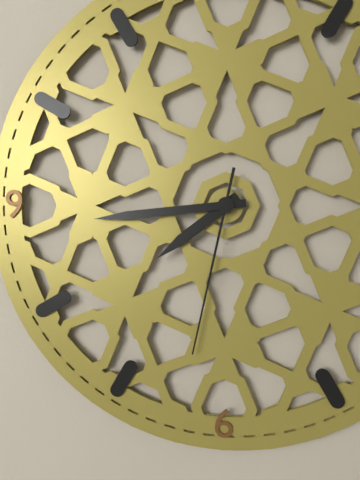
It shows 7,44,32
